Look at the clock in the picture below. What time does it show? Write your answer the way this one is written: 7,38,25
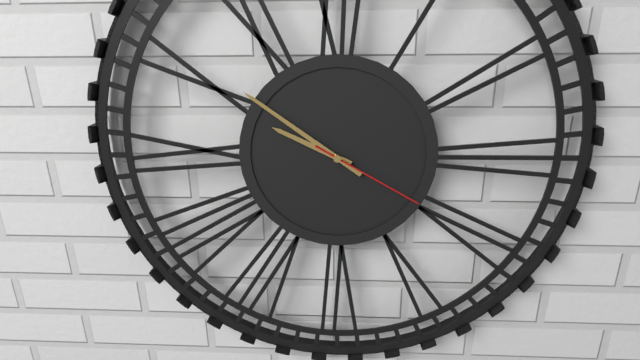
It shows 9,51,20
